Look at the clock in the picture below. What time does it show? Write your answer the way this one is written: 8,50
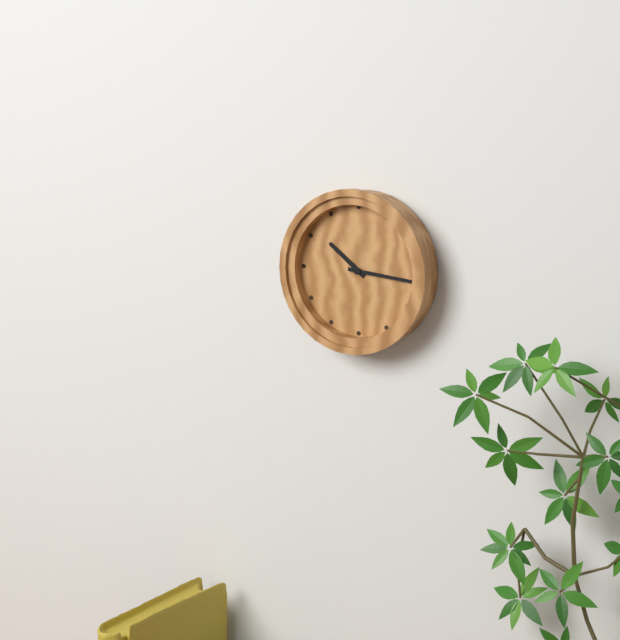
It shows 10,16
